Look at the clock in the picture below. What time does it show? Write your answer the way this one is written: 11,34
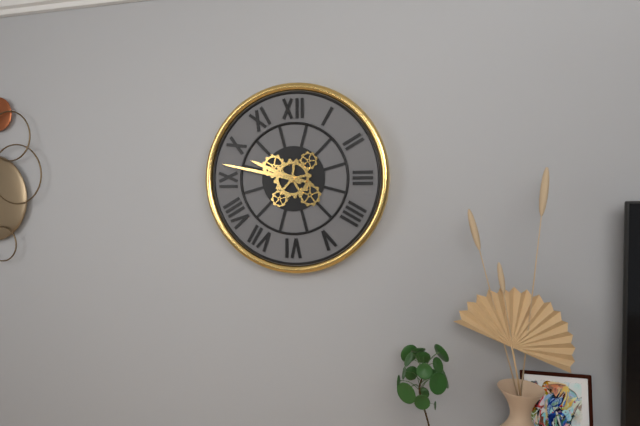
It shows 9,47
